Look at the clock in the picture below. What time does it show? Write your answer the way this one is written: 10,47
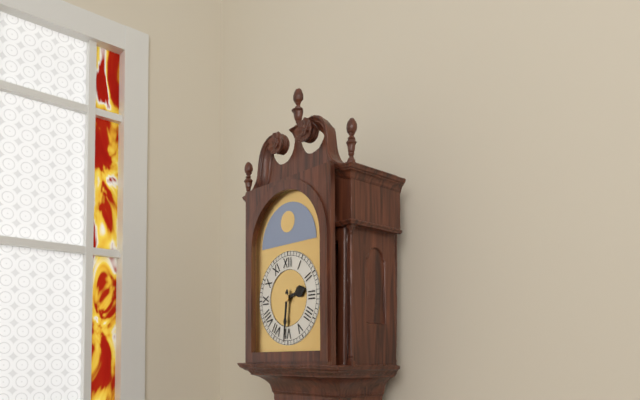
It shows 2,31
